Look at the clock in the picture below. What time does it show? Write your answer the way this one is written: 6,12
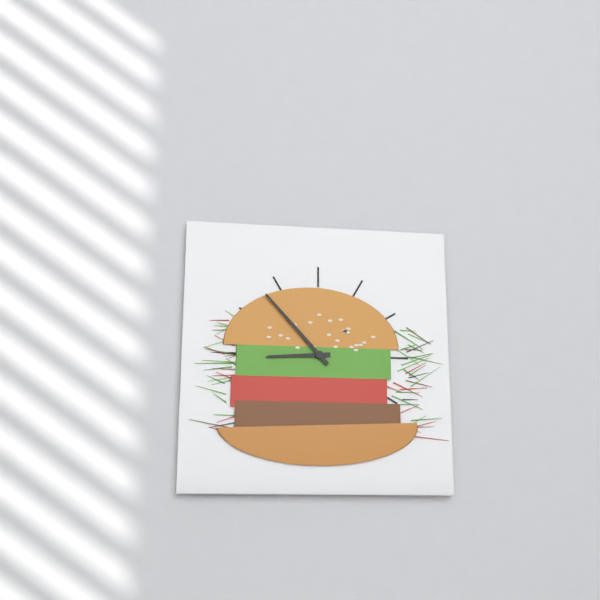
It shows 8,53
